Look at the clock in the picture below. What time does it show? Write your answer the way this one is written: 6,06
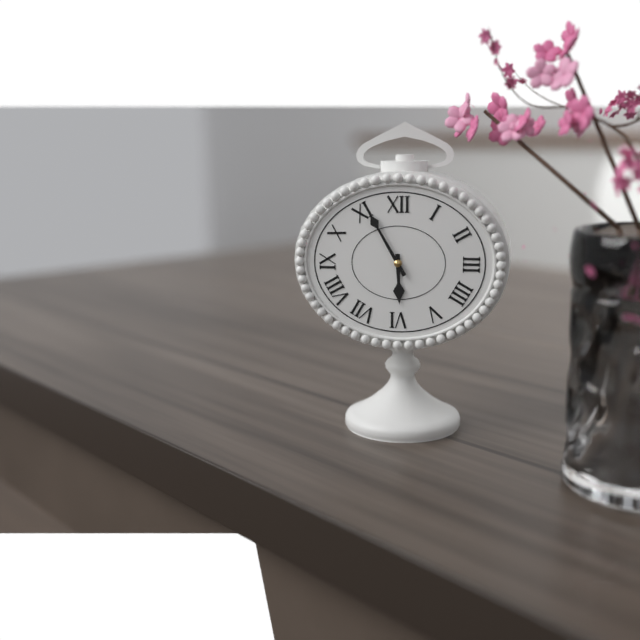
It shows 5,55
